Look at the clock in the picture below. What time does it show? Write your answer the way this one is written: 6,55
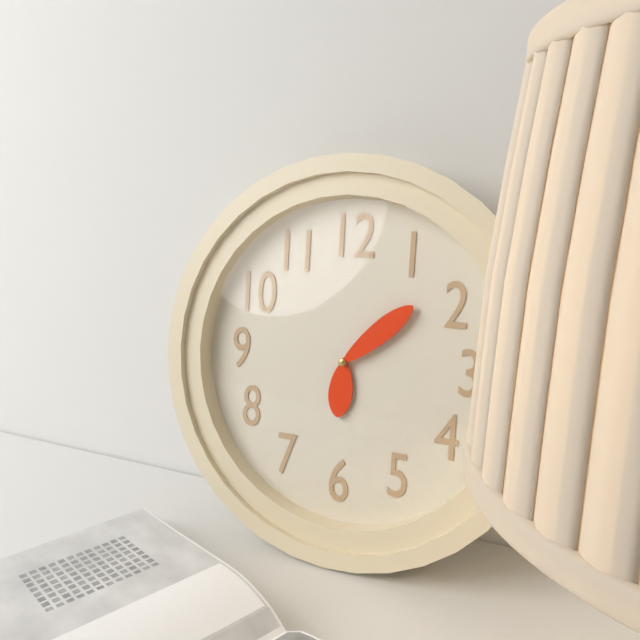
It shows 6,08
